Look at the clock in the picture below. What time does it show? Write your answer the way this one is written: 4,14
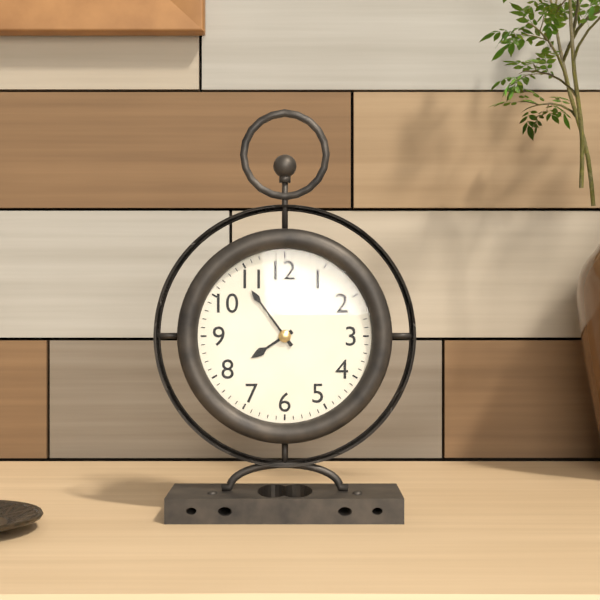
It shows 7,54
